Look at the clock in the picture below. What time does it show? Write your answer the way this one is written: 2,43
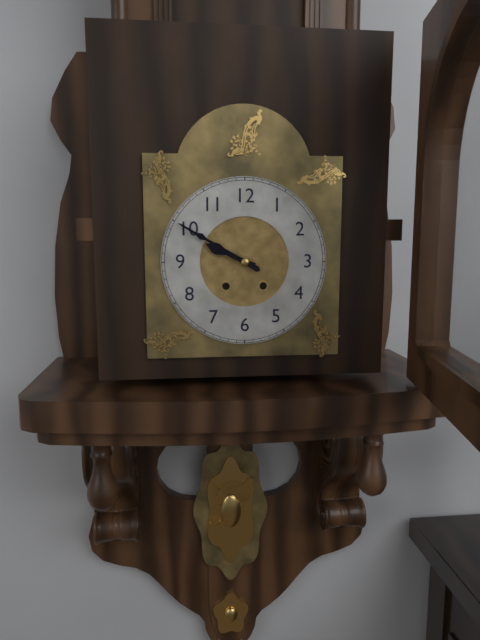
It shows 9,50
